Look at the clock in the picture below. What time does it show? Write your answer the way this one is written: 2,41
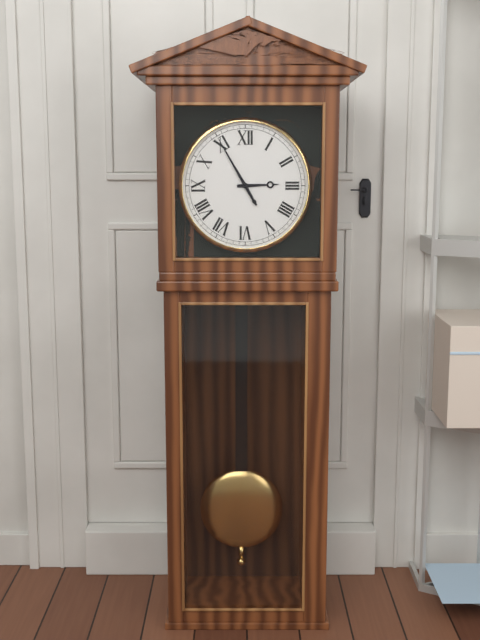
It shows 2,55
